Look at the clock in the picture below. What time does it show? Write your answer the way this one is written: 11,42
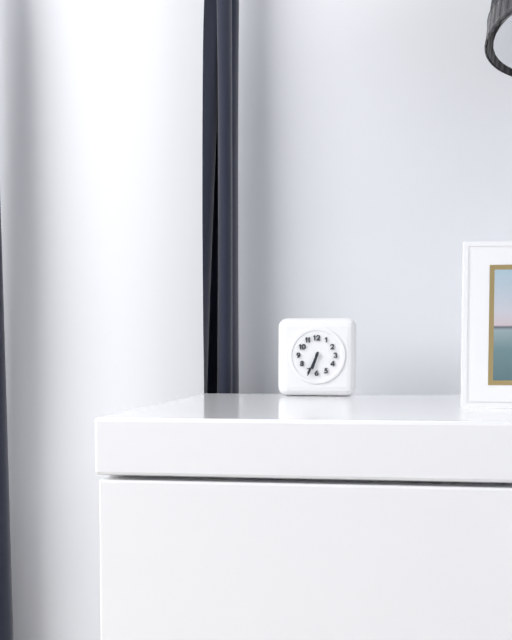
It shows 6,34
